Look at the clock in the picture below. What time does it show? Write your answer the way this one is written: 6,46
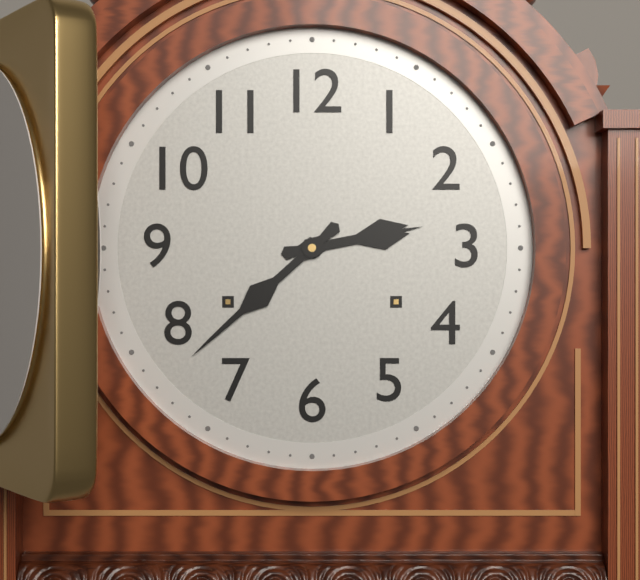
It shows 2,38
